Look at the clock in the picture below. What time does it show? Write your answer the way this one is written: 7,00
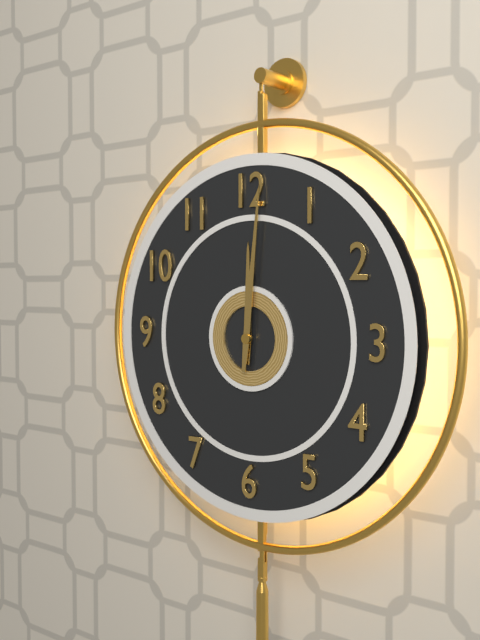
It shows 12,01
